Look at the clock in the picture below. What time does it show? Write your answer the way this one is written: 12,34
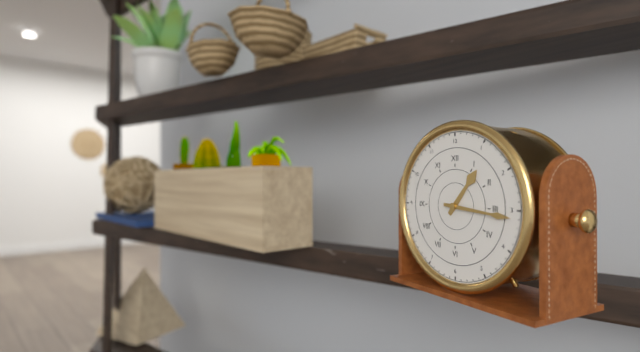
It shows 1,16
